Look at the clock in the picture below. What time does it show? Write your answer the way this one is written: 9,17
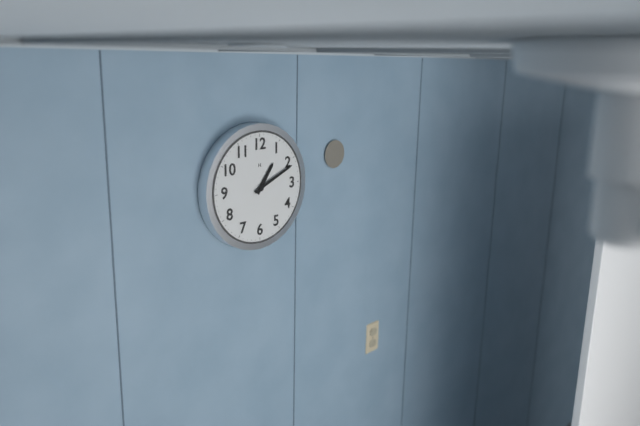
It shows 1,11
